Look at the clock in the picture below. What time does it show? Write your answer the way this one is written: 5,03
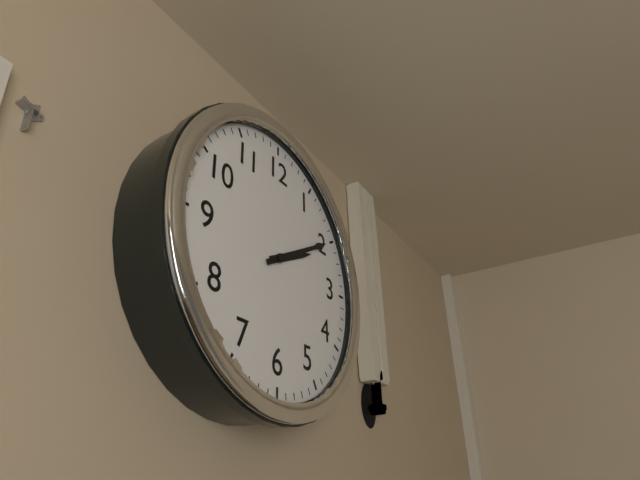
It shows 2,10
